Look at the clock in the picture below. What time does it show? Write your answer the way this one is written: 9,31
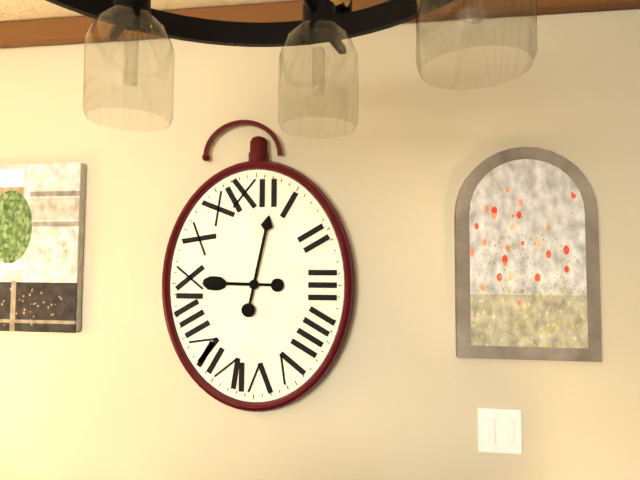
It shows 9,02
